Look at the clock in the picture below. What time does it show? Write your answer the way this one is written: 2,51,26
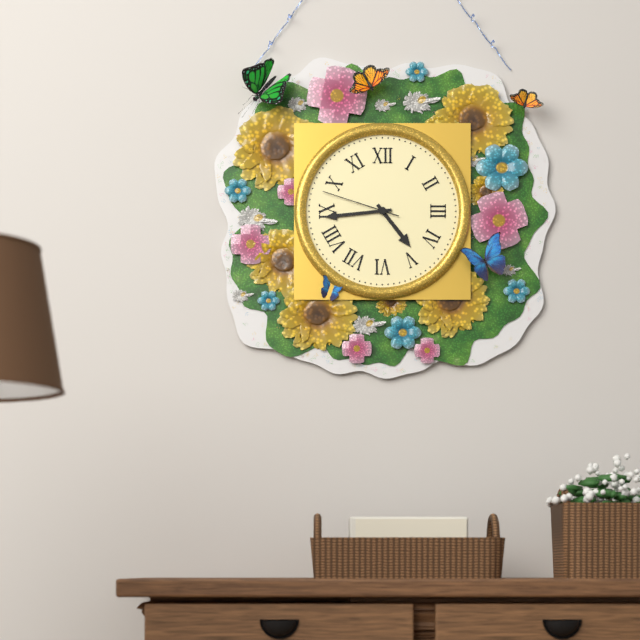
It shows 4,44,48
